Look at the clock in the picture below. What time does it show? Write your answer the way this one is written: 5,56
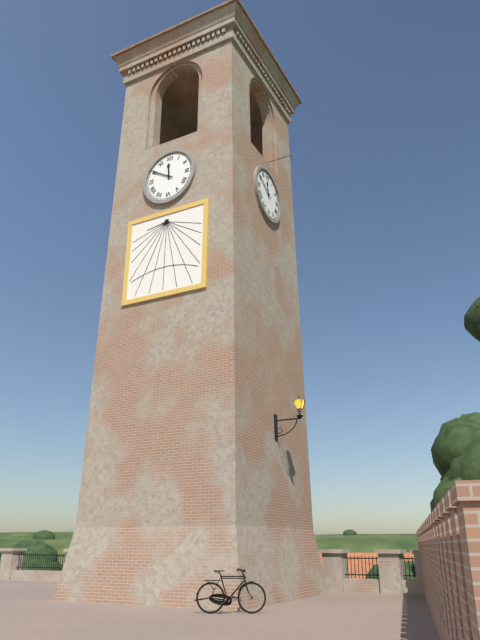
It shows 11,50
